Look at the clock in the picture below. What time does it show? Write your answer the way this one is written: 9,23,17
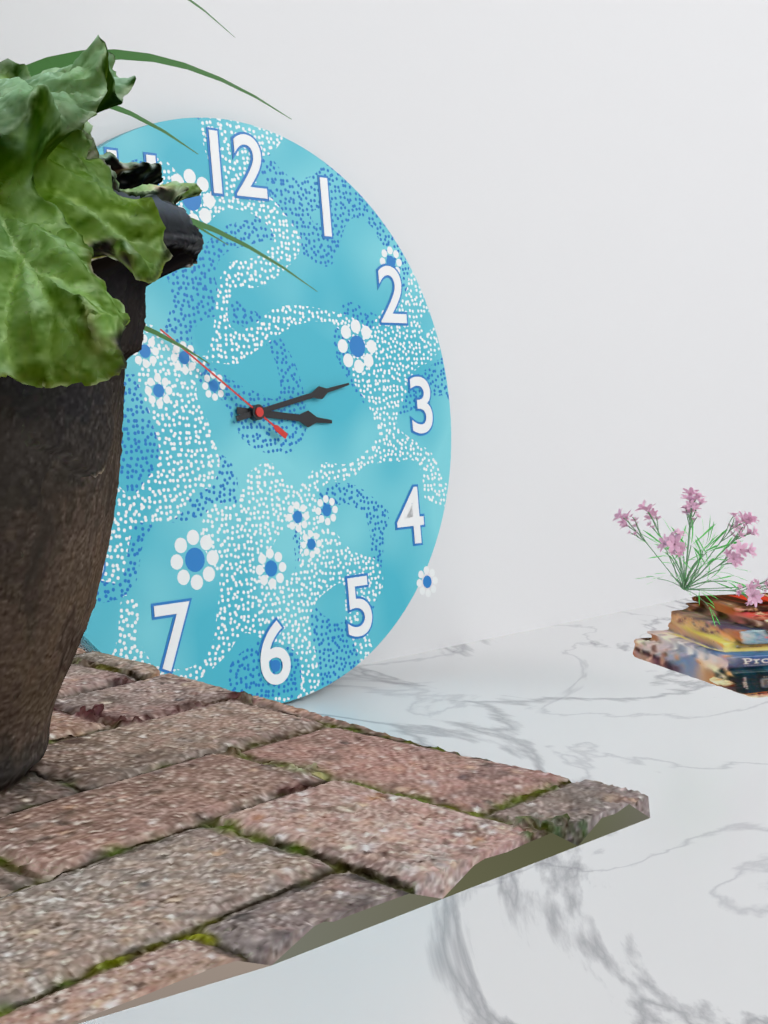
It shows 3,13,51
